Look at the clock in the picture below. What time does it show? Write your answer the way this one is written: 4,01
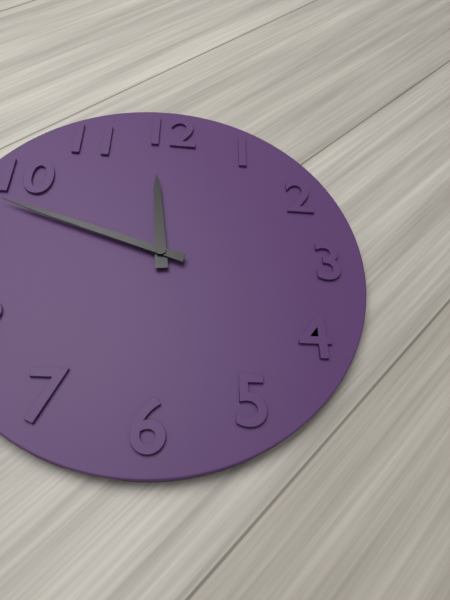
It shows 11,48
